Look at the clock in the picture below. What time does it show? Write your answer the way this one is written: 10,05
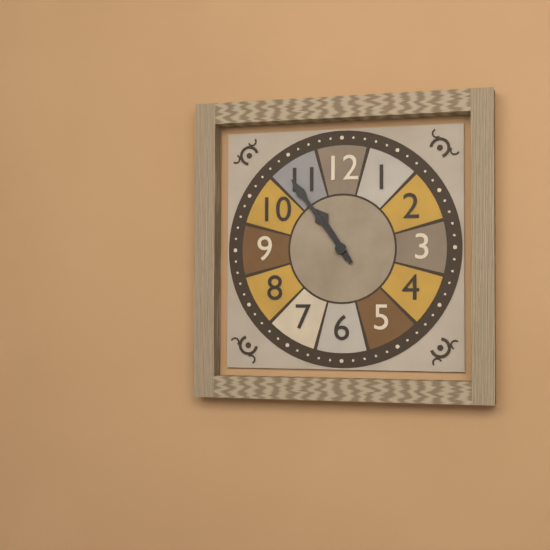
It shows 10,54
